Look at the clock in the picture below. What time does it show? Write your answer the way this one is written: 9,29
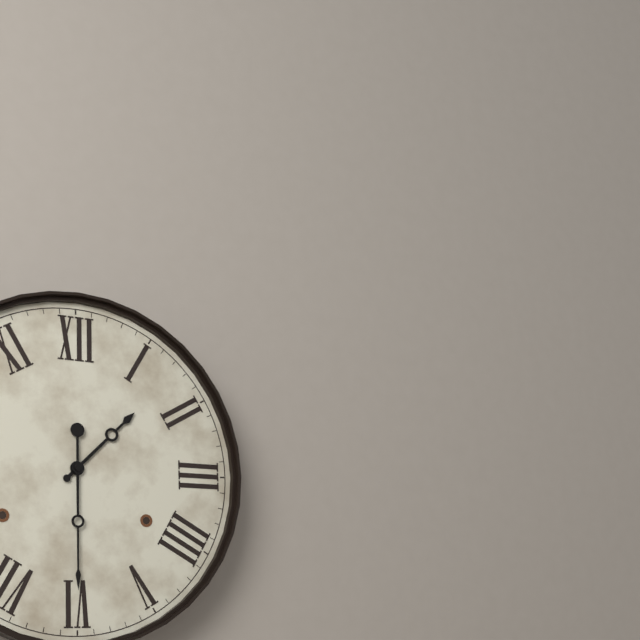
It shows 1,30
